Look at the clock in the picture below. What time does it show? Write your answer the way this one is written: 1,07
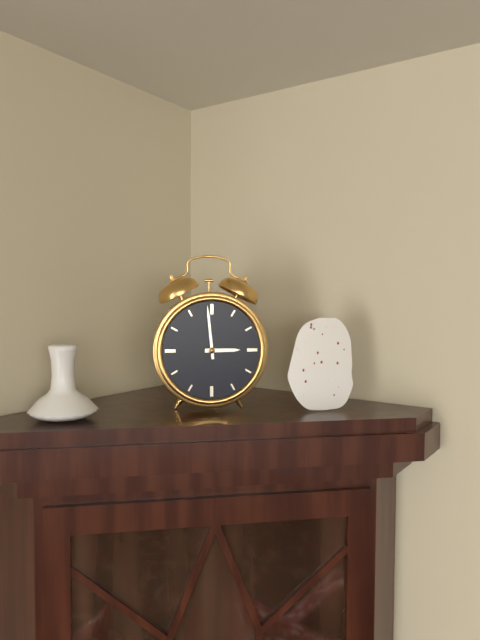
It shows 2,59
